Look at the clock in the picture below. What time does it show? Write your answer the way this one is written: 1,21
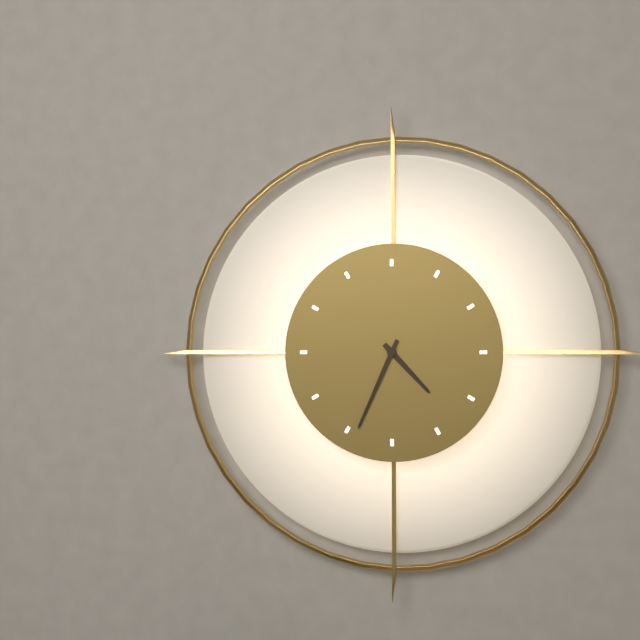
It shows 4,34
